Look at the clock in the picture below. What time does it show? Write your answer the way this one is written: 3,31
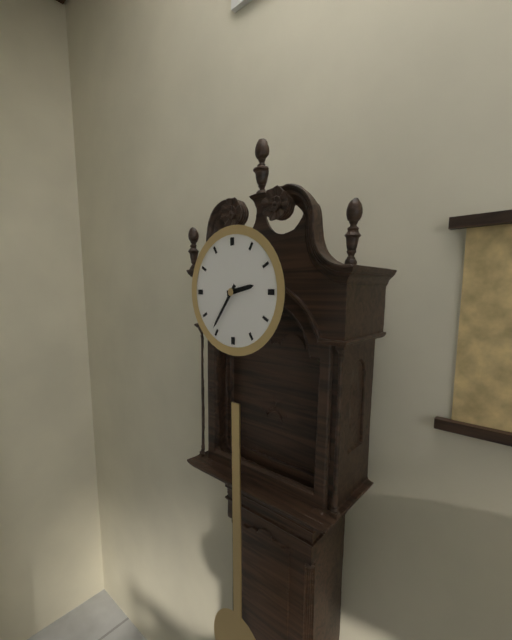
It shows 2,36
